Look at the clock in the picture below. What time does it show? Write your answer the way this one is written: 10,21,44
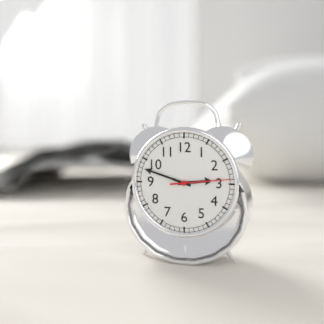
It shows 2,48,14
